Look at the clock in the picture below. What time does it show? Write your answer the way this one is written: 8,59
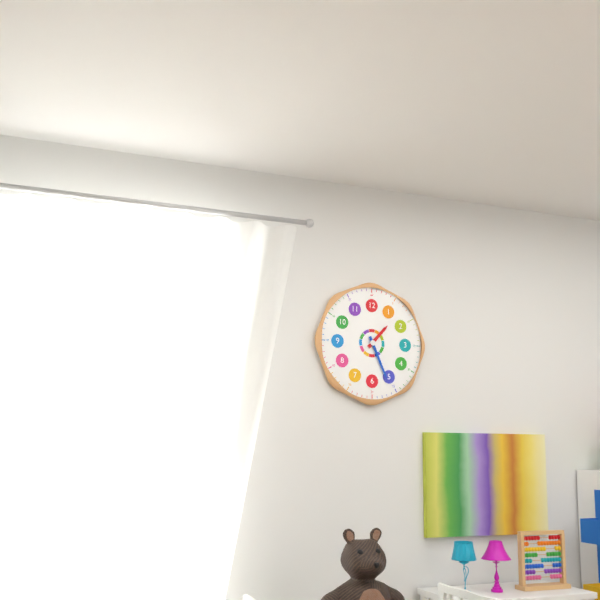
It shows 1,26
